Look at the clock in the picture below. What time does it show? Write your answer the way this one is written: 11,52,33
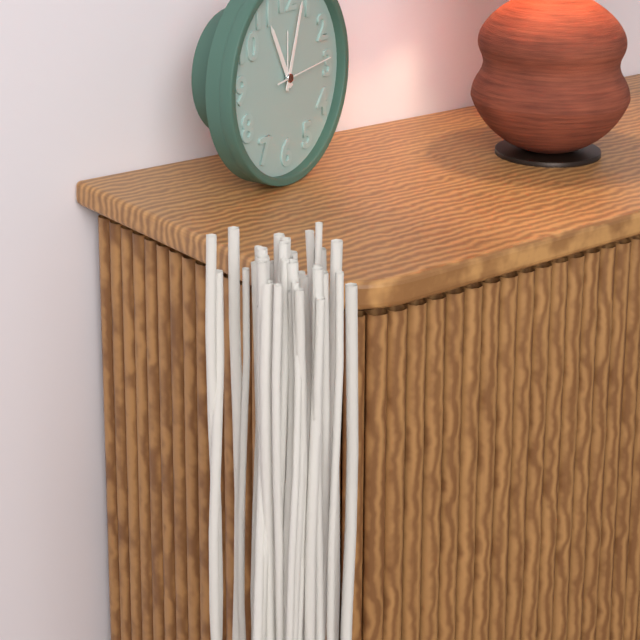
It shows 11,03,14
